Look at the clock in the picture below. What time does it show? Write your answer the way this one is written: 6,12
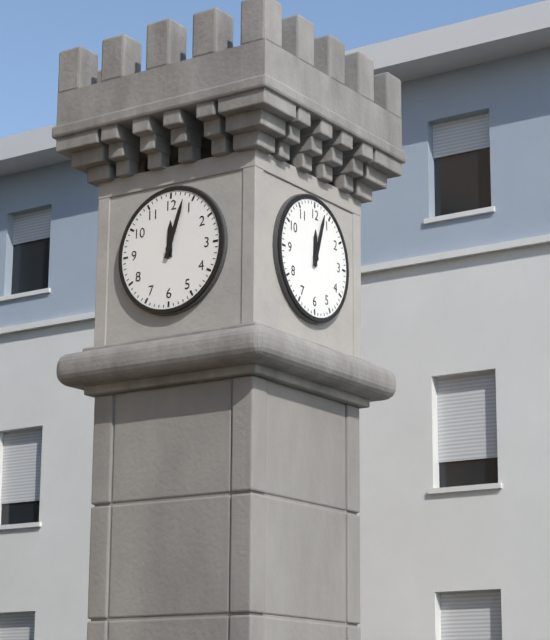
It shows 12,03
